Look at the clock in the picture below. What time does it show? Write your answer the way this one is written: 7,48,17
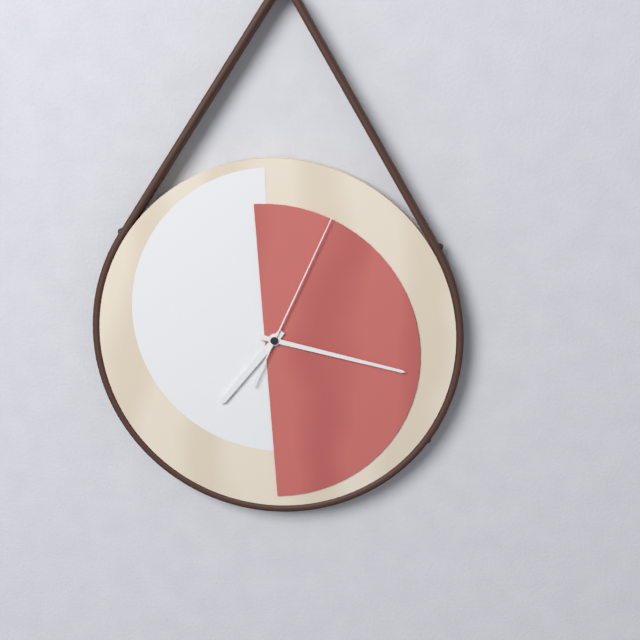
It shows 7,17,04
